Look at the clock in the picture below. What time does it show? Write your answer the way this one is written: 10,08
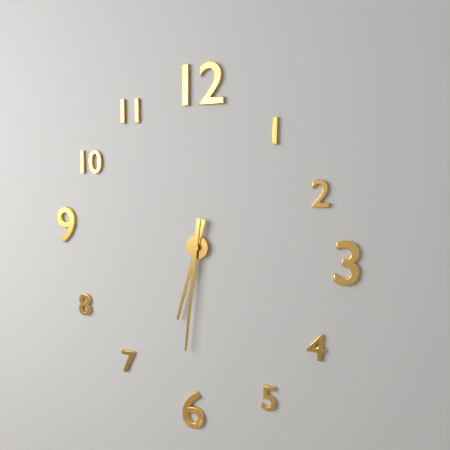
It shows 6,31
